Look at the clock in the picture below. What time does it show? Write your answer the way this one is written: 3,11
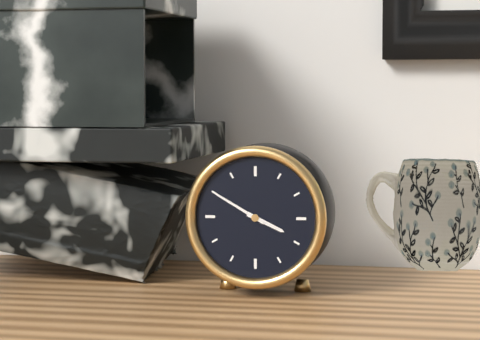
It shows 3,50
